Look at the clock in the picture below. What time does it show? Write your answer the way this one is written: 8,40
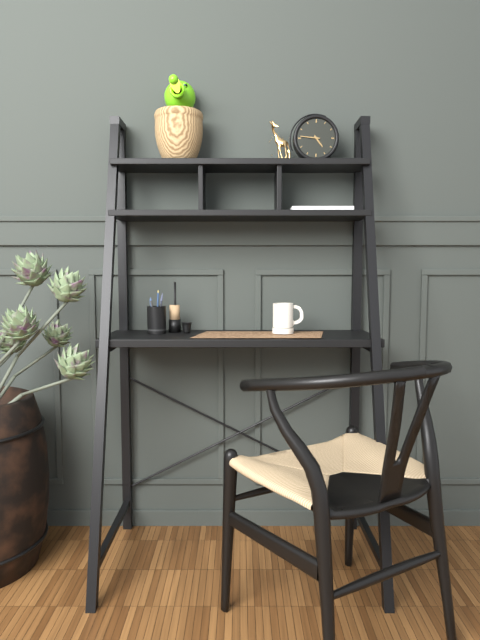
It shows 4,46
